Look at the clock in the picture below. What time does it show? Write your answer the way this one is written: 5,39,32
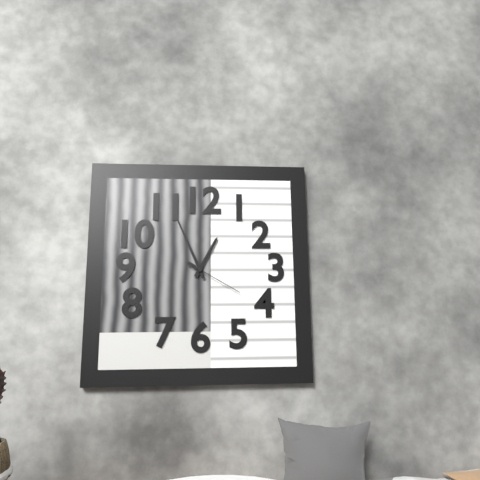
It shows 12,56,20
